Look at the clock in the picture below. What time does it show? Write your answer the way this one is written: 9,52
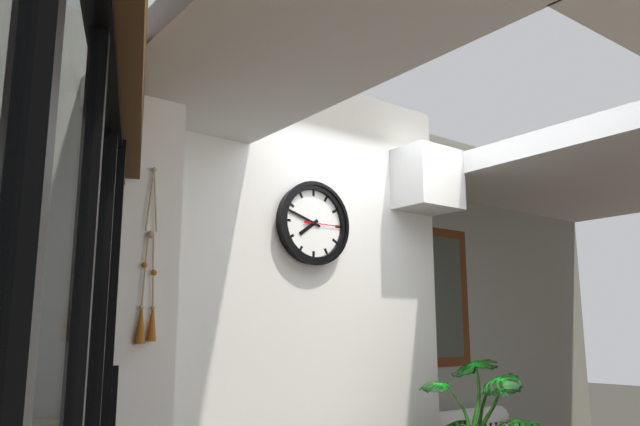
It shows 7,48
